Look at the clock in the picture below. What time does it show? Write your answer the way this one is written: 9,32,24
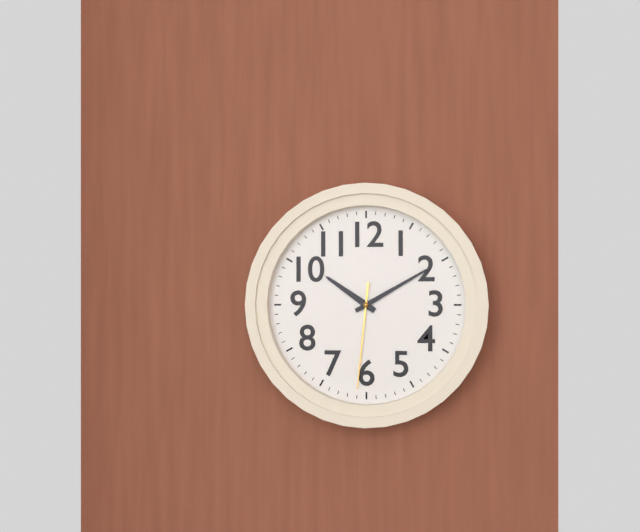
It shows 10,10,31
